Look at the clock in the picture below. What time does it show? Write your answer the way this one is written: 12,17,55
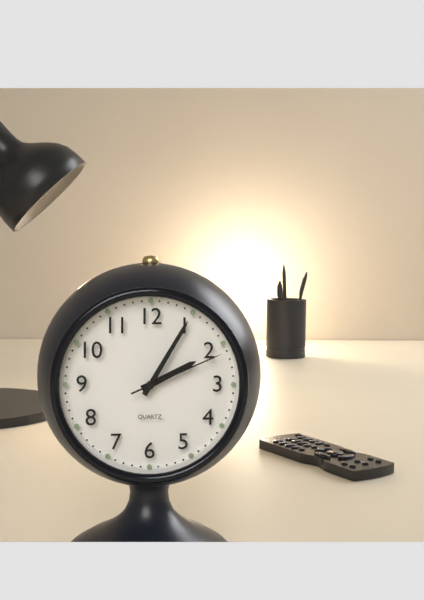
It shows 2,05,11
